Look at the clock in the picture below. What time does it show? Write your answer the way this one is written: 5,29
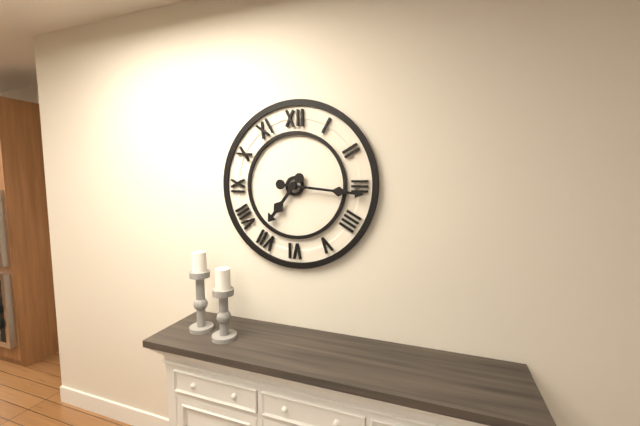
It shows 7,16
